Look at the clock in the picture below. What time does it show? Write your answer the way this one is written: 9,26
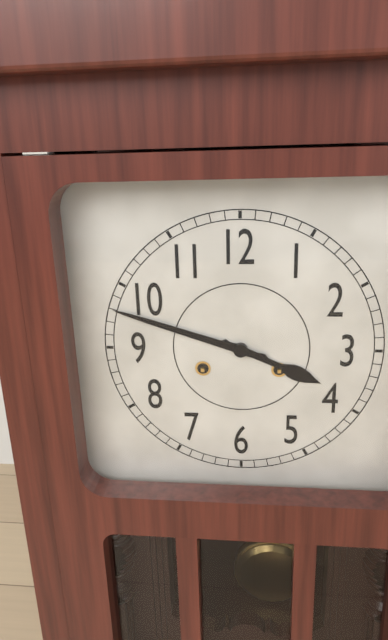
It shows 3,48
